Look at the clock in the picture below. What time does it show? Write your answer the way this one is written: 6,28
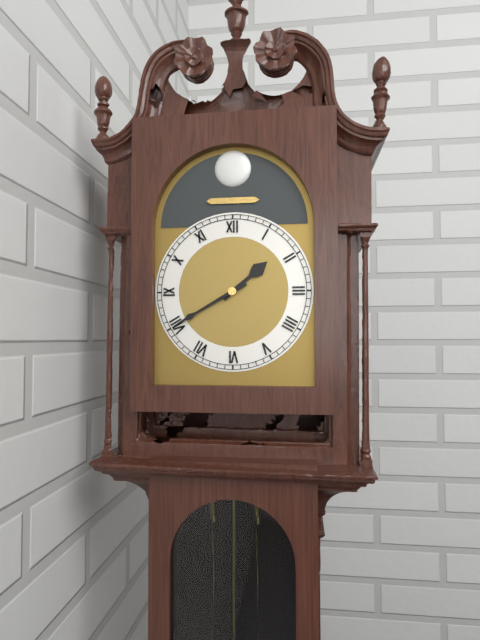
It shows 1,40
